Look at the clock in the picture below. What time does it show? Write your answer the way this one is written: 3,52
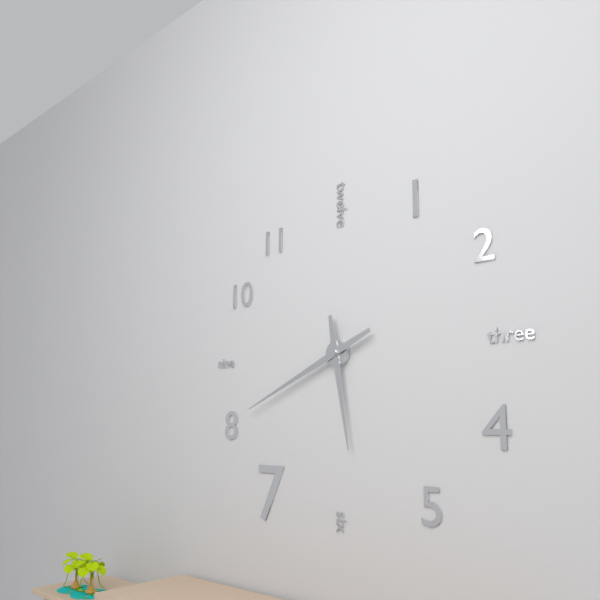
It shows 5,41
